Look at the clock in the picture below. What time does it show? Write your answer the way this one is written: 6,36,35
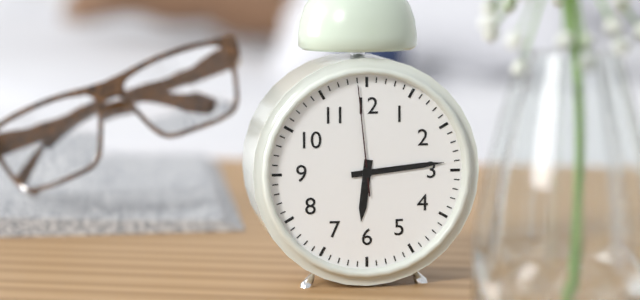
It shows 6,14,59
